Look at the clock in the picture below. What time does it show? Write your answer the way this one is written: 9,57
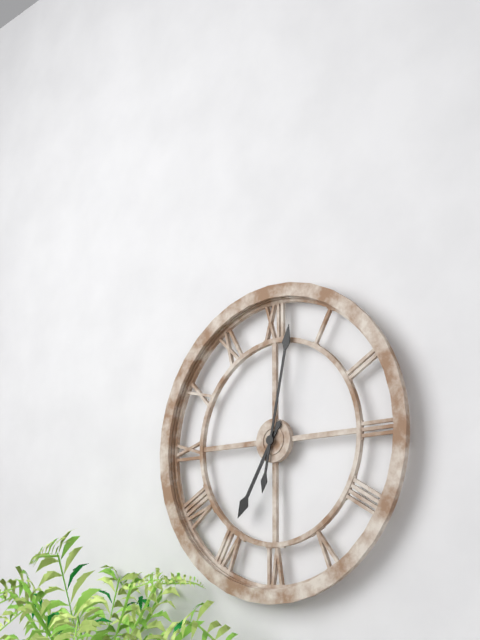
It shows 7,02
